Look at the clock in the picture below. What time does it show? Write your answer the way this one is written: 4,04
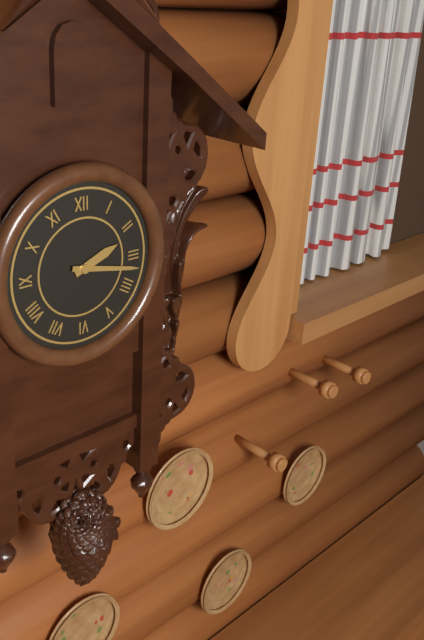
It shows 2,17
